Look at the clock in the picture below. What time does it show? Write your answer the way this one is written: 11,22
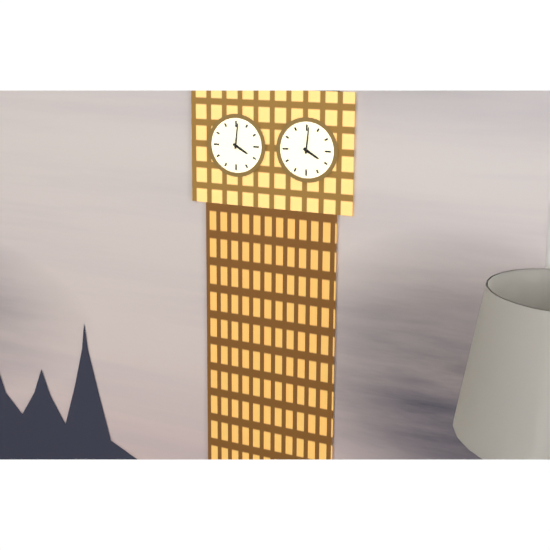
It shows 4,01
